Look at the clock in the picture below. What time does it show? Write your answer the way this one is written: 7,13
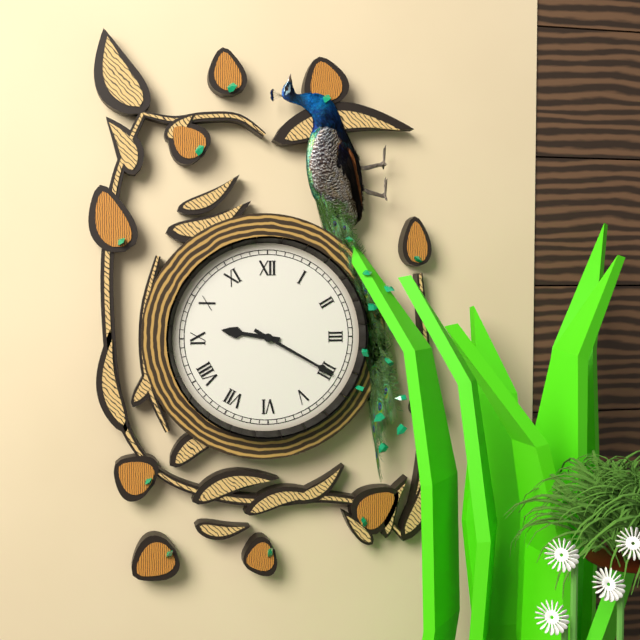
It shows 9,20
